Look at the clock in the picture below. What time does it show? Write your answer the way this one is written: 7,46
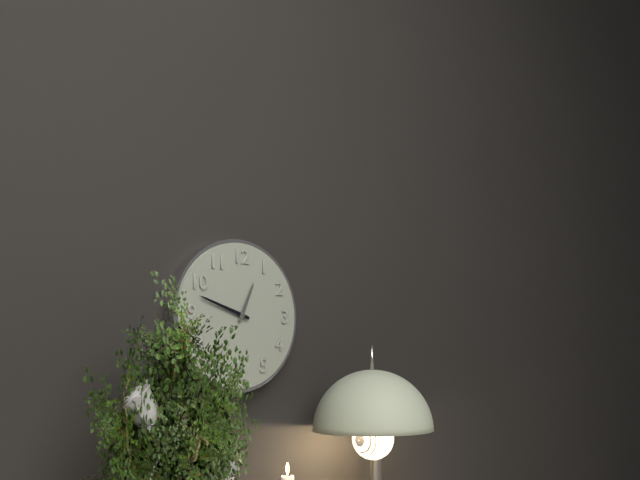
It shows 12,48
